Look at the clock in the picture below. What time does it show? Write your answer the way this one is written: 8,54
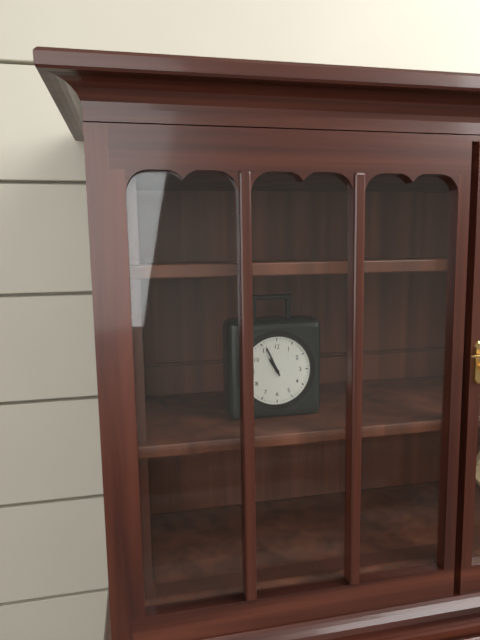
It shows 10,56
